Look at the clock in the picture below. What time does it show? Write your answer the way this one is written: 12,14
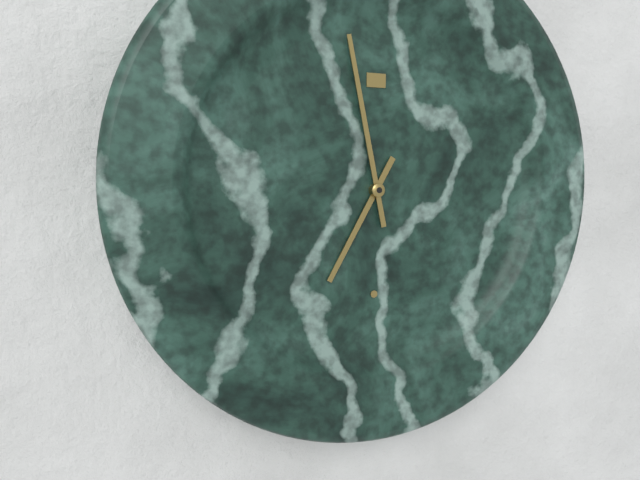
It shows 6,58
